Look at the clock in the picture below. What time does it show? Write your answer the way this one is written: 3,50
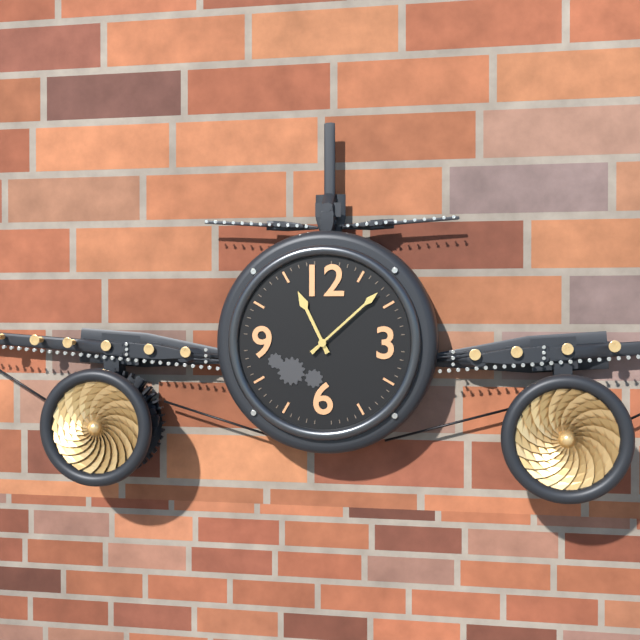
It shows 11,08
